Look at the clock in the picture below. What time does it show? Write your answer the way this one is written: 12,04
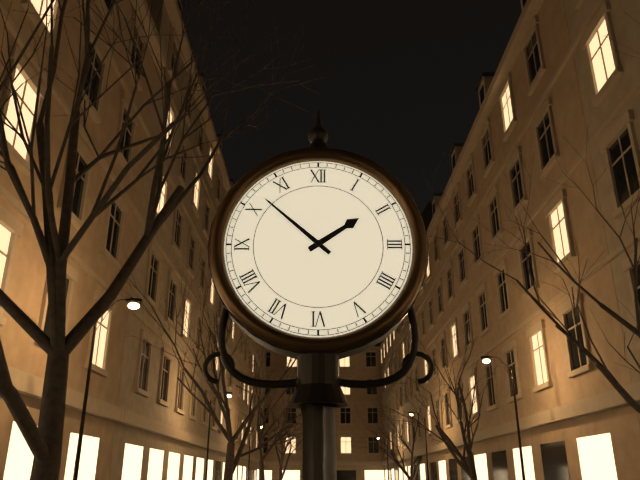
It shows 1,52
